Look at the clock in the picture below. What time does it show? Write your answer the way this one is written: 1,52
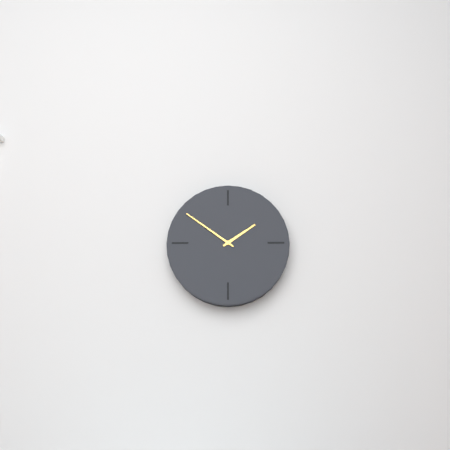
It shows 1,51
